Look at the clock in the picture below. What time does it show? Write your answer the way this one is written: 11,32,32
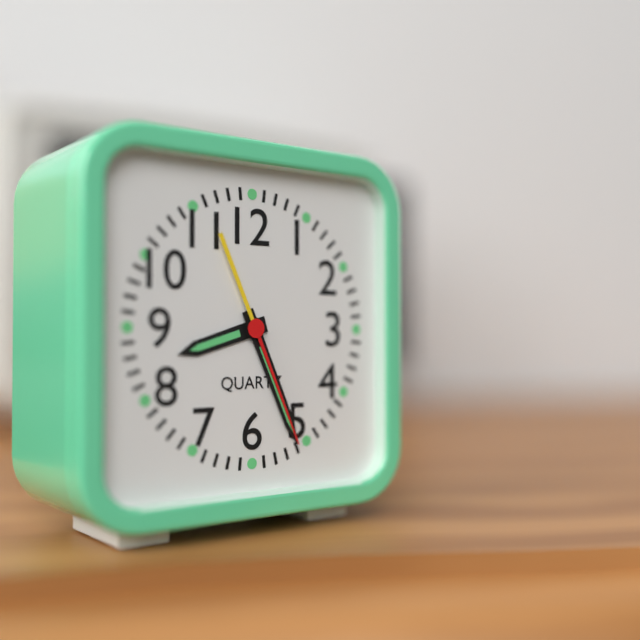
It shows 8,26,26
